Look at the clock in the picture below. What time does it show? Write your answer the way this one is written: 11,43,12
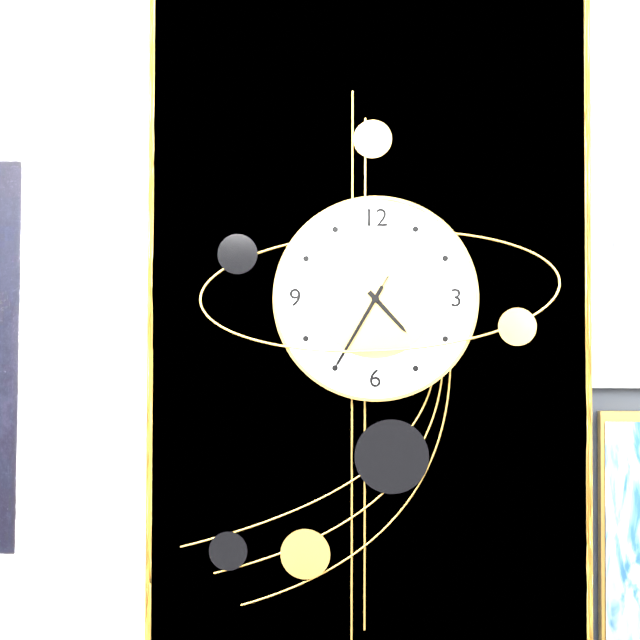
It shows 4,35,35
